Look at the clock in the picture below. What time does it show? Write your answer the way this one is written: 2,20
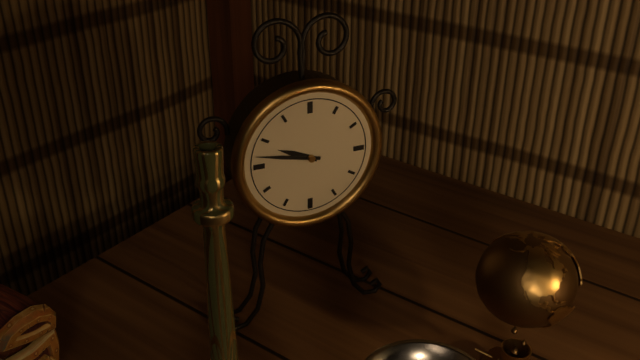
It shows 9,47
